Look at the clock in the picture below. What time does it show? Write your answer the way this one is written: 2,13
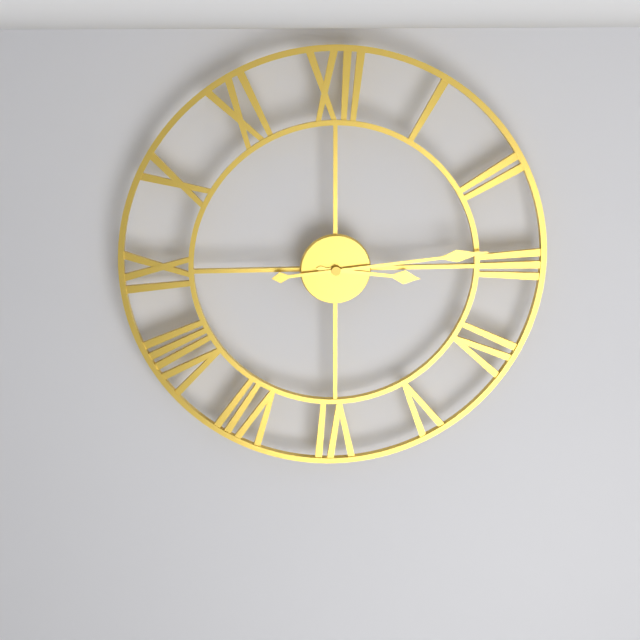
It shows 3,14
